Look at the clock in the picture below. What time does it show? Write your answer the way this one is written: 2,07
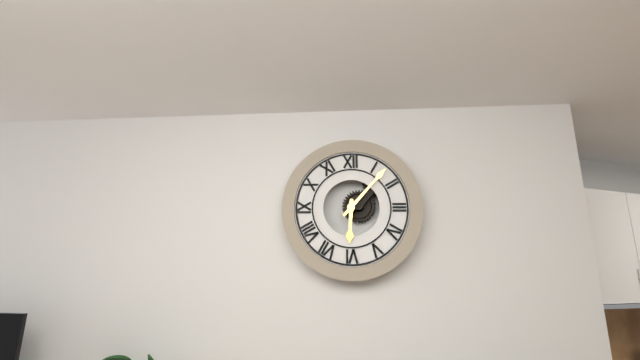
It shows 6,07
